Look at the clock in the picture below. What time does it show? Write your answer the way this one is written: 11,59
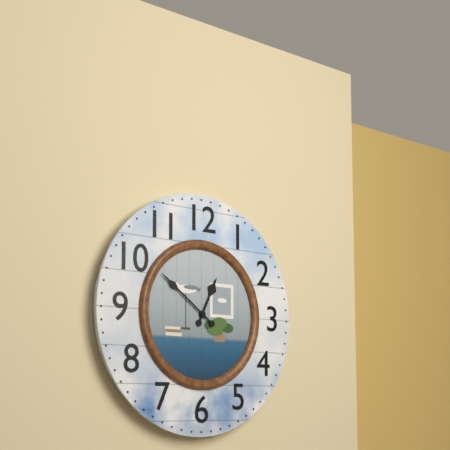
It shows 12,51
